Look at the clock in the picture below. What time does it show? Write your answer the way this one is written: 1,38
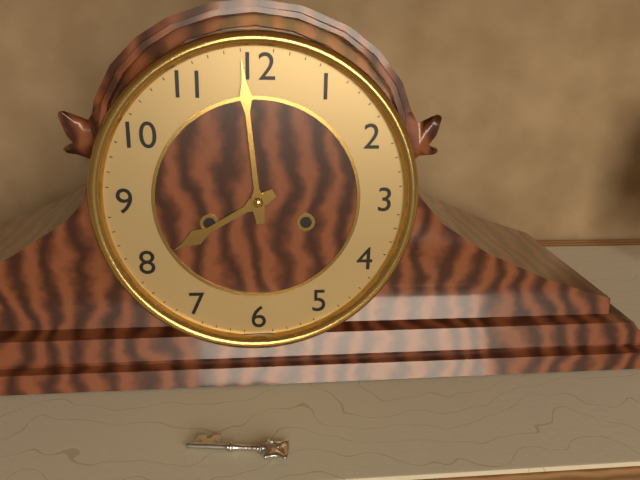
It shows 7,59
